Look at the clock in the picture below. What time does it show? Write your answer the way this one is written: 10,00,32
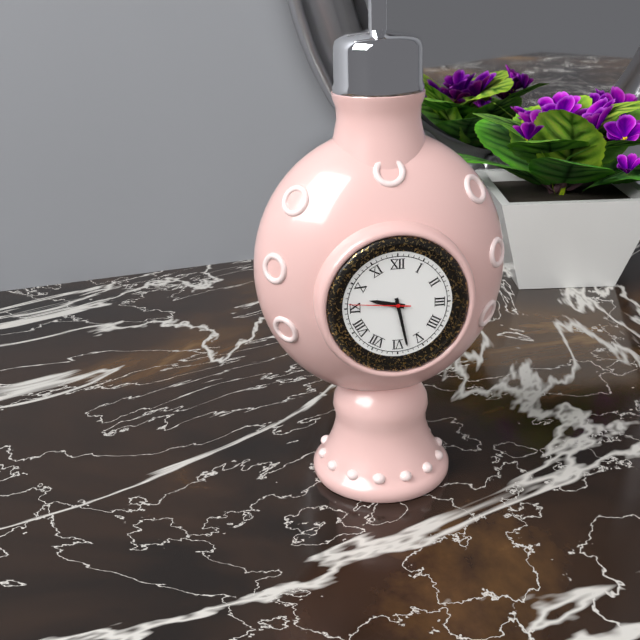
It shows 9,28,46
